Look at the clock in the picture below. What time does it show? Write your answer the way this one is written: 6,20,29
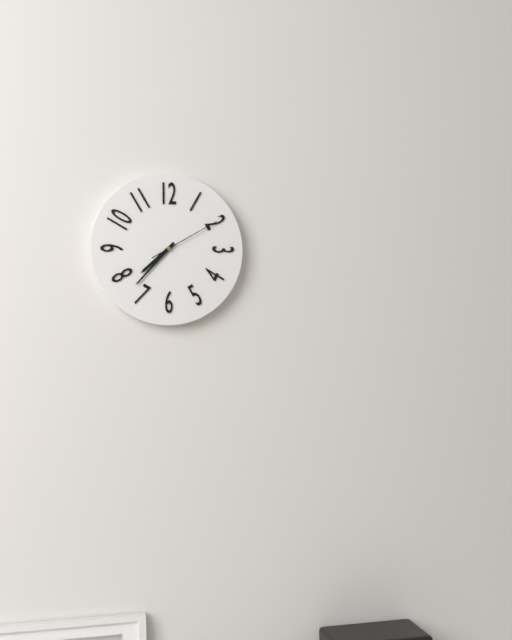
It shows 7,37,10
